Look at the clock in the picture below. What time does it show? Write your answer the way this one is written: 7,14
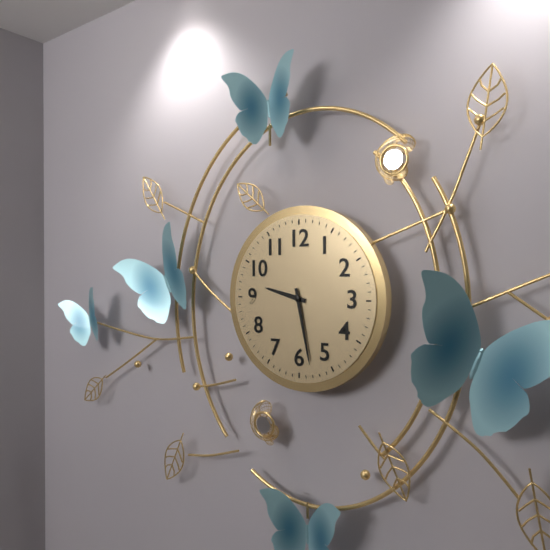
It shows 9,28
